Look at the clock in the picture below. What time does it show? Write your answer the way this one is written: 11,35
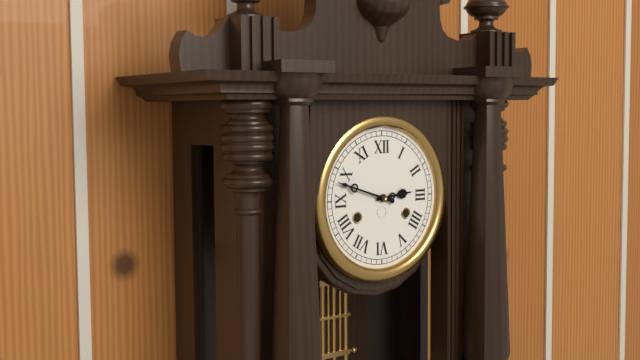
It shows 2,48
